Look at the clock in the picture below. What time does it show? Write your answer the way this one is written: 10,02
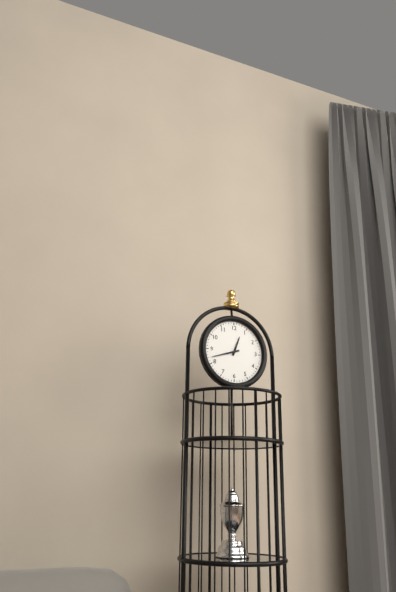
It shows 12,42
